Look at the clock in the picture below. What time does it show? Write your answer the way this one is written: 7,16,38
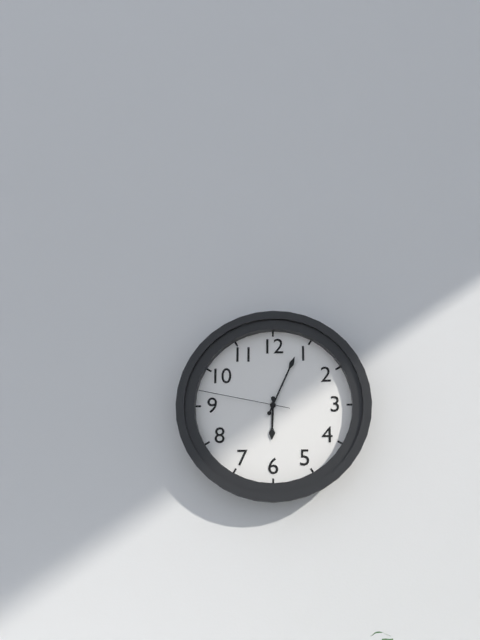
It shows 6,04,47
